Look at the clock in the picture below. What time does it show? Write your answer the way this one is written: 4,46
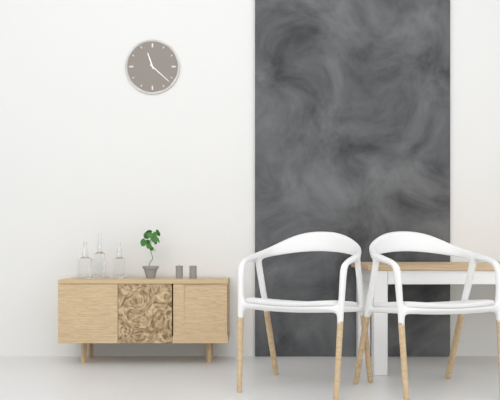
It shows 11,22
